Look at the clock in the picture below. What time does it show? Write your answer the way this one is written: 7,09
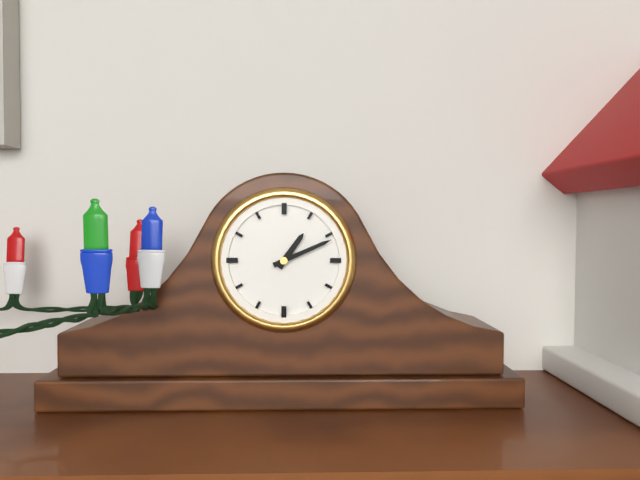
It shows 1,11
